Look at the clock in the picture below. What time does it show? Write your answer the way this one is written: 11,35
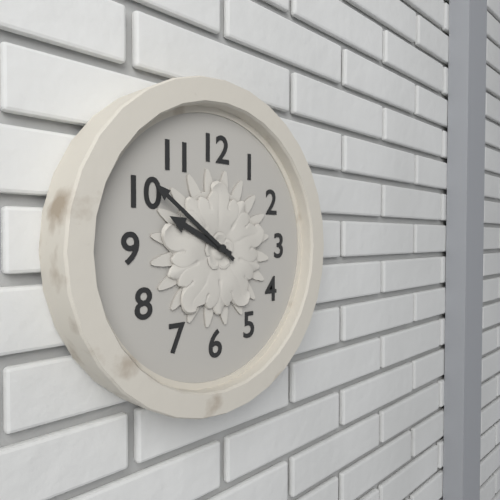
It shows 9,51
